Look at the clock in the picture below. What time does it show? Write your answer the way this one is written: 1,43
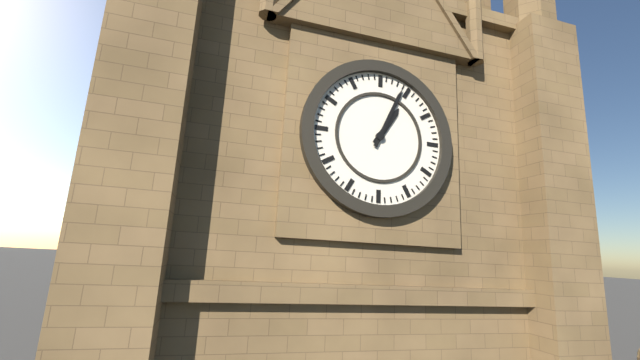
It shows 1,04
